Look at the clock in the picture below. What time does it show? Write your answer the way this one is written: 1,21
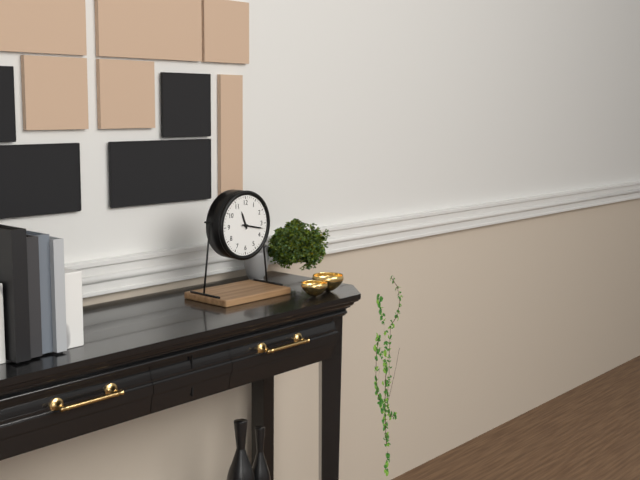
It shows 11,17
